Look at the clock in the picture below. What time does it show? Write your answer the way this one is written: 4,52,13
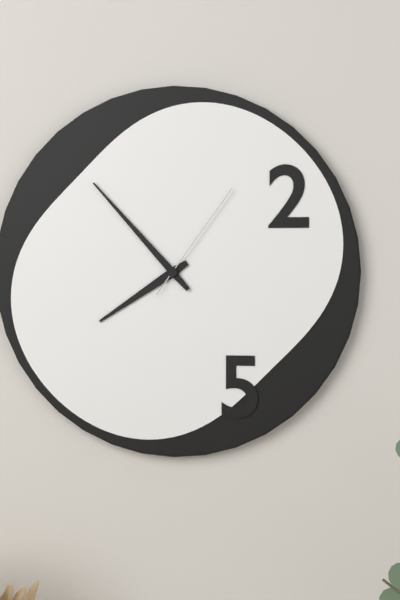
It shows 7,53,06
